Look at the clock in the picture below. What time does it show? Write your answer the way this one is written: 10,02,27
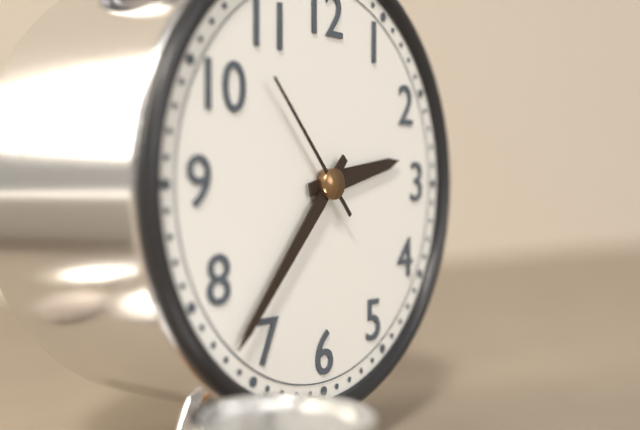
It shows 2,37,53
